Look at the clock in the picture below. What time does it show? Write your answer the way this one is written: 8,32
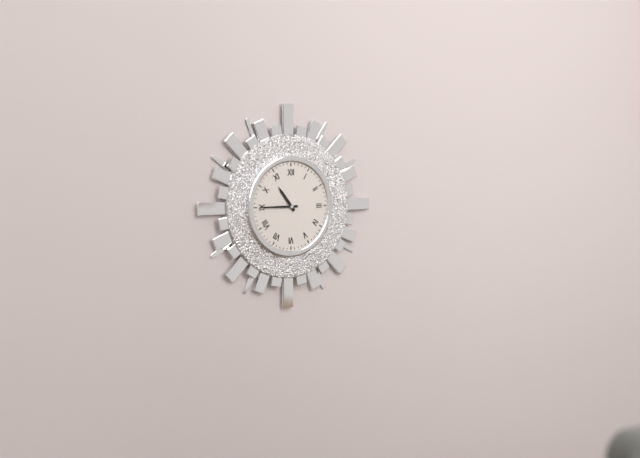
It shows 10,45
